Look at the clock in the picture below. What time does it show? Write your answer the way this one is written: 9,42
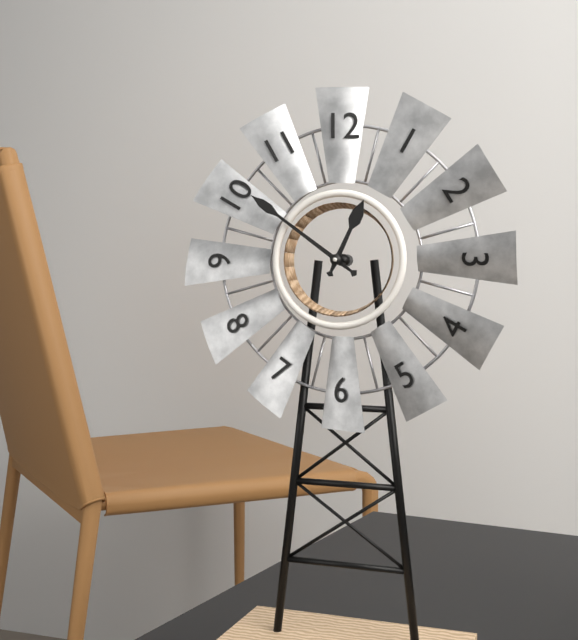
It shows 12,51
